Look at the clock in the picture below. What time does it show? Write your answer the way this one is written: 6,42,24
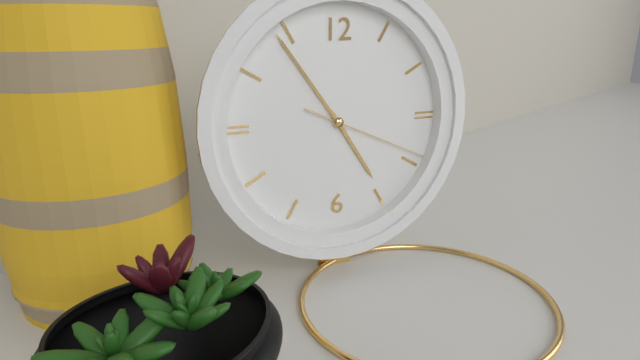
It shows 4,54,19
